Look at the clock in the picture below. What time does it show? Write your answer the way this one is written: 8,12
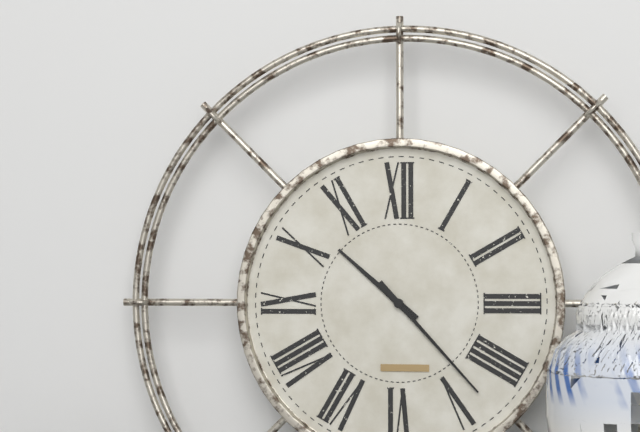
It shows 10,23
